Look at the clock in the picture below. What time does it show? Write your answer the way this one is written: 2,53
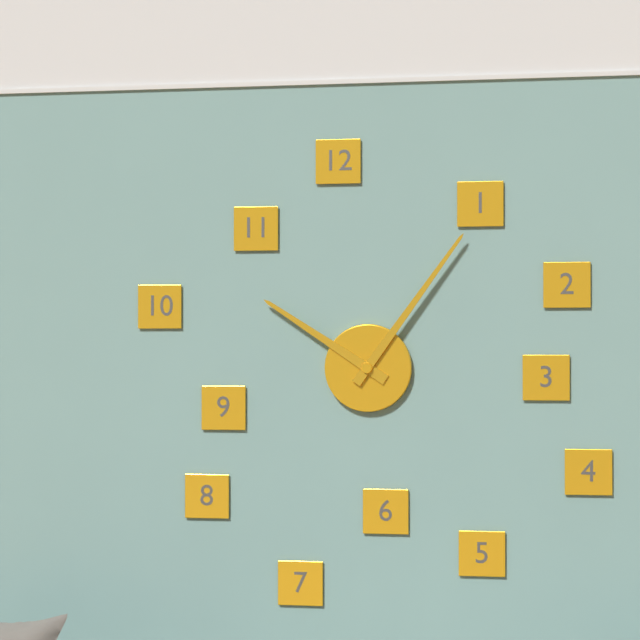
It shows 10,06
